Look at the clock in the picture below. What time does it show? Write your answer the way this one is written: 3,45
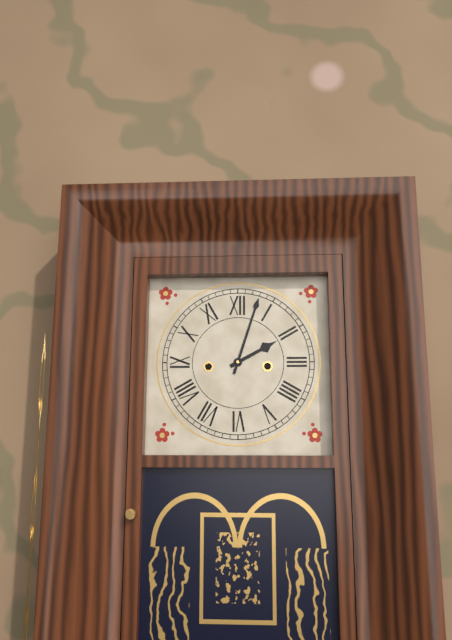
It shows 2,03
